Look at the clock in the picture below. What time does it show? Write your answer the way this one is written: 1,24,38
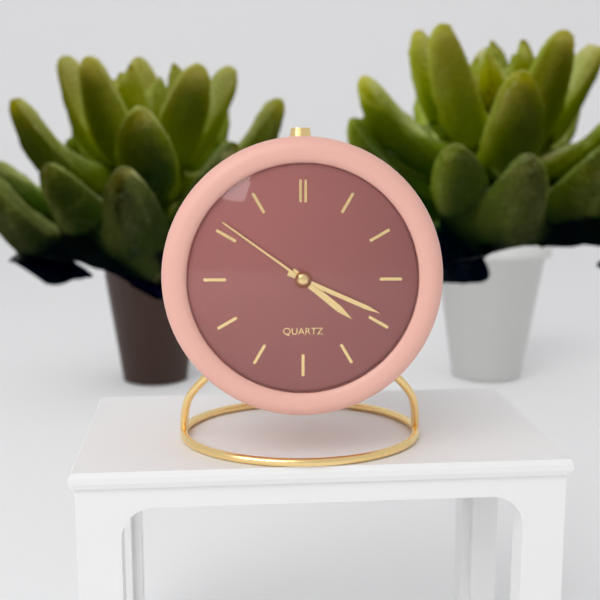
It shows 4,19,51
